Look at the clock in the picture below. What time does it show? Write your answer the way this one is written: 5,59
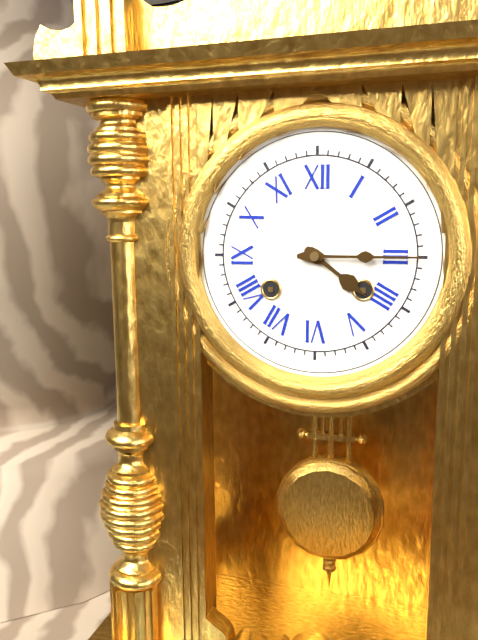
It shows 4,15
